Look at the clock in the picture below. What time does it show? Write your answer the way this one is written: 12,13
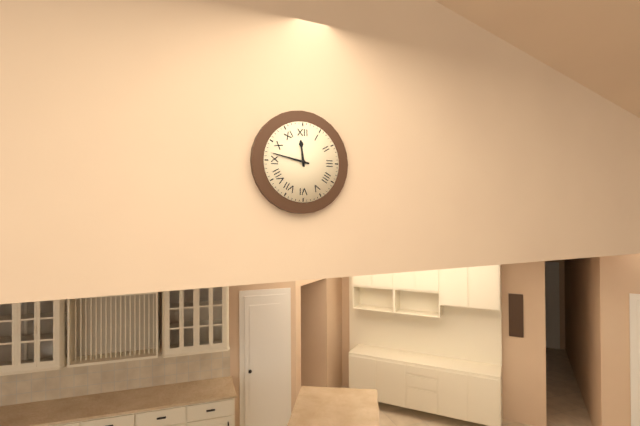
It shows 11,47
